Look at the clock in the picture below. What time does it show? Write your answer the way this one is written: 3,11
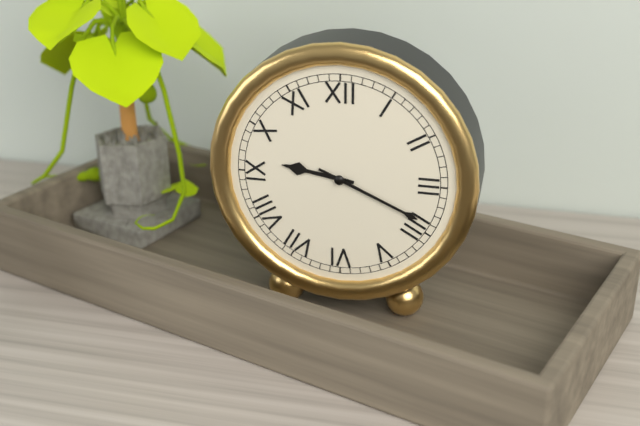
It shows 9,19
